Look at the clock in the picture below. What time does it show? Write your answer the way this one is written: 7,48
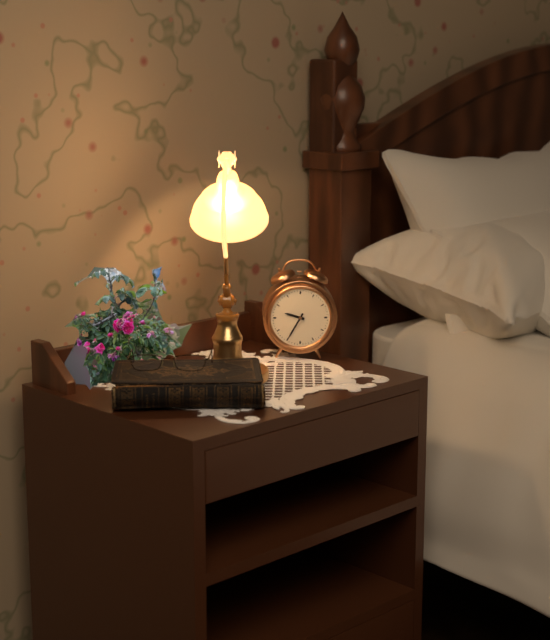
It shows 9,35
